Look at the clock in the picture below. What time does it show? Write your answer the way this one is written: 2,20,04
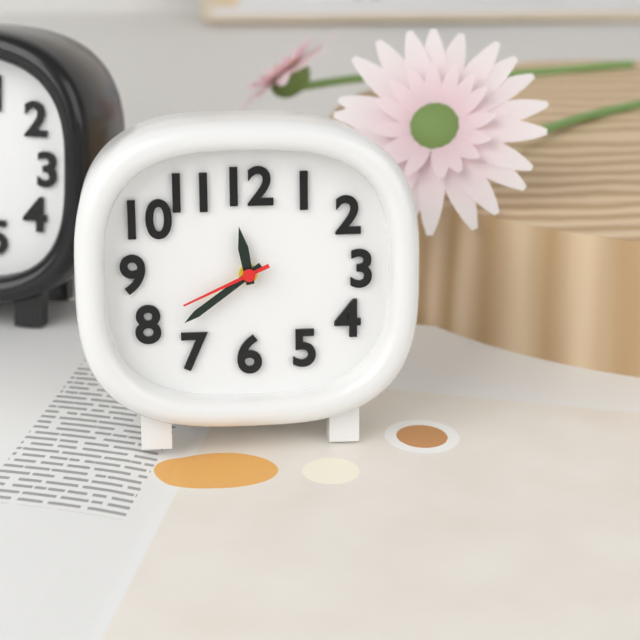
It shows 11,39,41
